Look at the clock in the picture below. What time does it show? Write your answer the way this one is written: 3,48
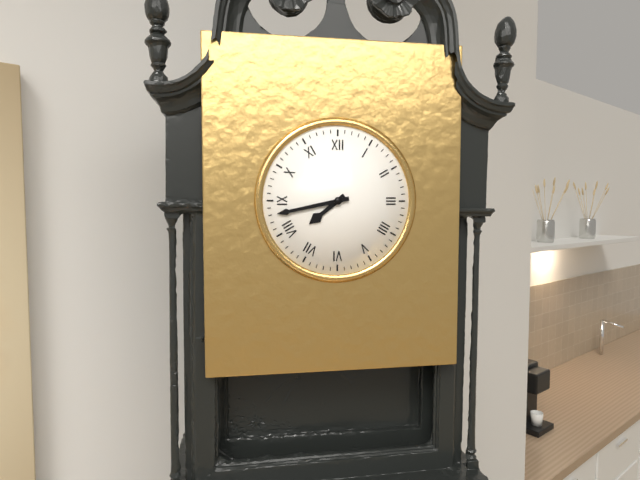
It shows 7,43
